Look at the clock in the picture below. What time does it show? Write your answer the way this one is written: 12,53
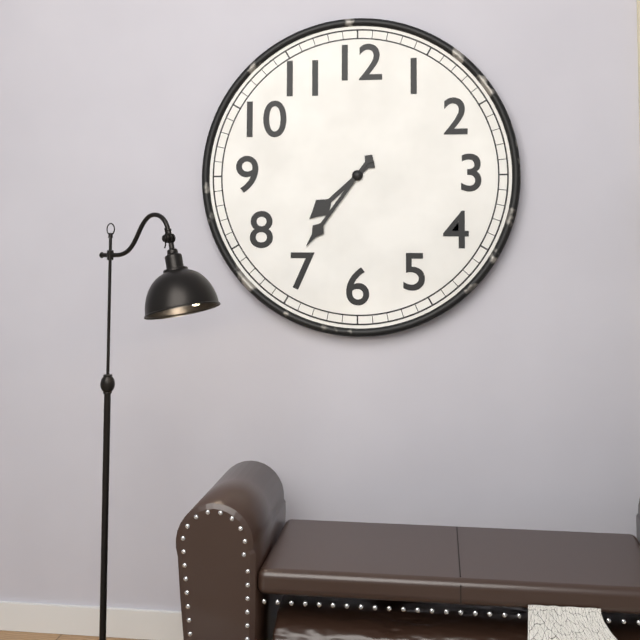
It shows 7,36
